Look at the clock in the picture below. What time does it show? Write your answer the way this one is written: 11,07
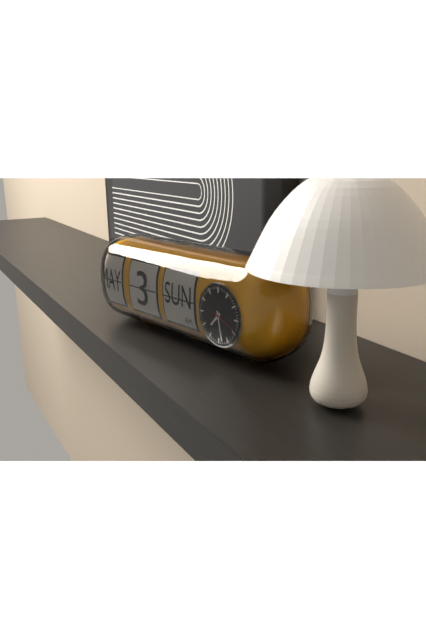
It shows 7,28
